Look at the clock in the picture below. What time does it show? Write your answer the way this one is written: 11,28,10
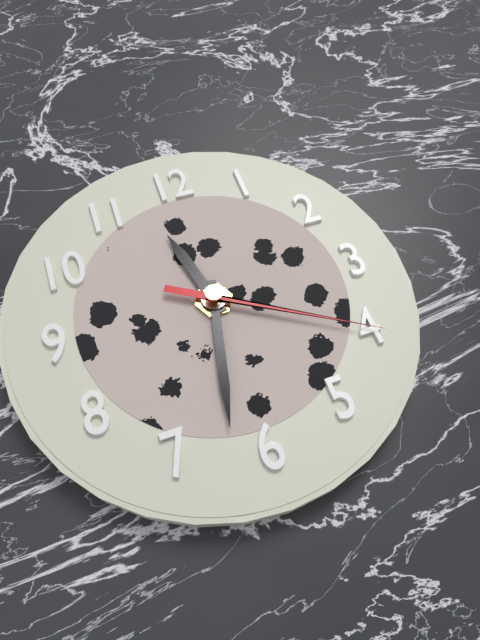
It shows 11,32,20
